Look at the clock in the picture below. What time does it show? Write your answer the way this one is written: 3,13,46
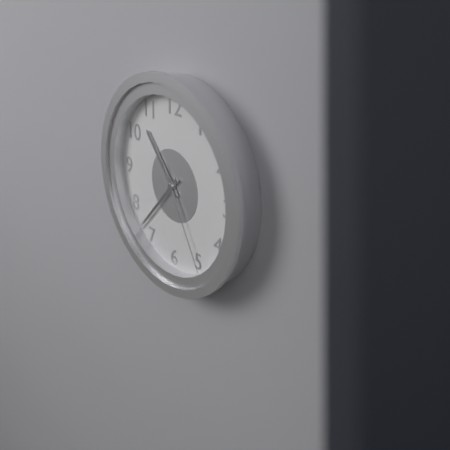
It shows 10,37,25
